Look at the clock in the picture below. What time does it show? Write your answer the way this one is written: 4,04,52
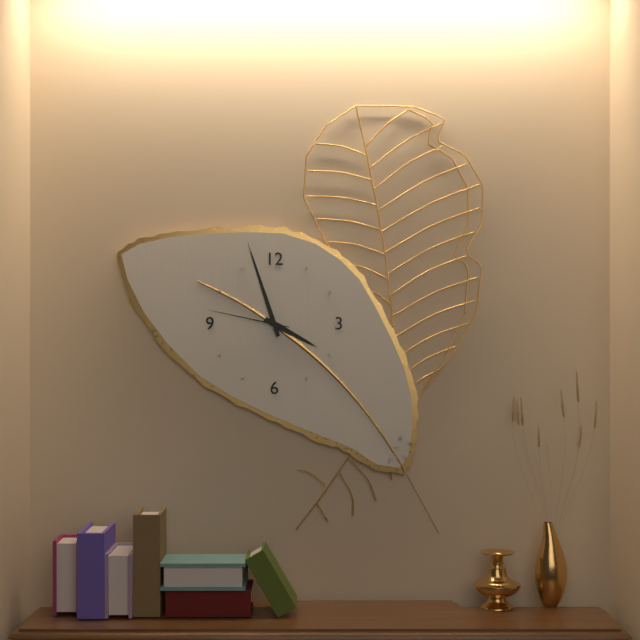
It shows 3,57,47
